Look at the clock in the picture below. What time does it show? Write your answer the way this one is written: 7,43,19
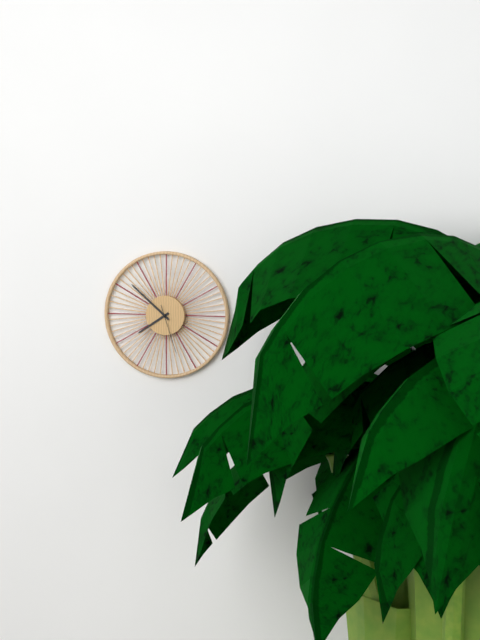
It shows 7,52,27
